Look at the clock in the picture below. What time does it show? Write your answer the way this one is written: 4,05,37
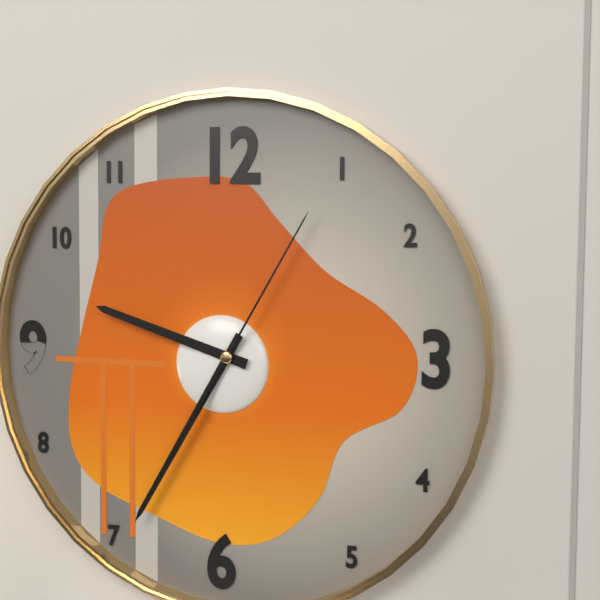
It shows 9,35,05
